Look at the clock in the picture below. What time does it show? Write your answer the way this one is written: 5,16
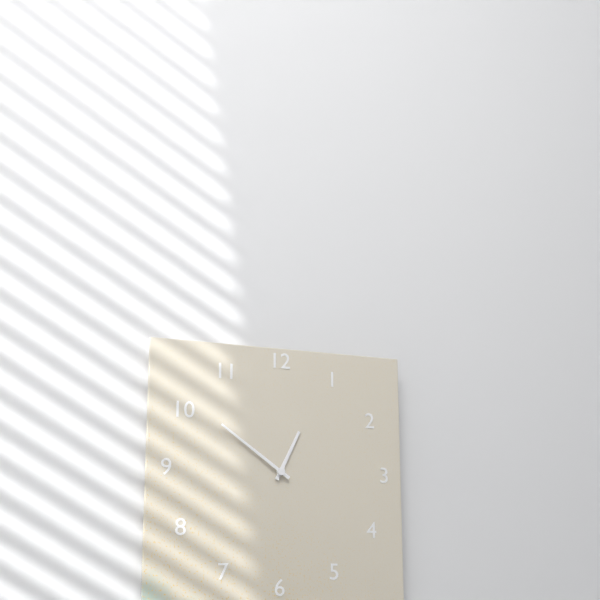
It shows 12,51
